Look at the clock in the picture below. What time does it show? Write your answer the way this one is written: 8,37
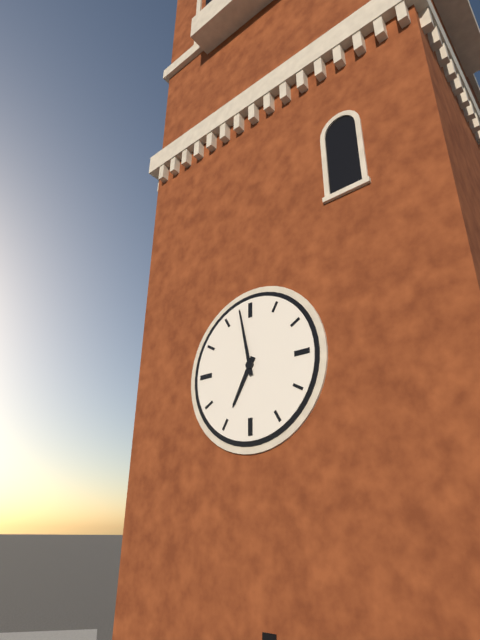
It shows 6,58
